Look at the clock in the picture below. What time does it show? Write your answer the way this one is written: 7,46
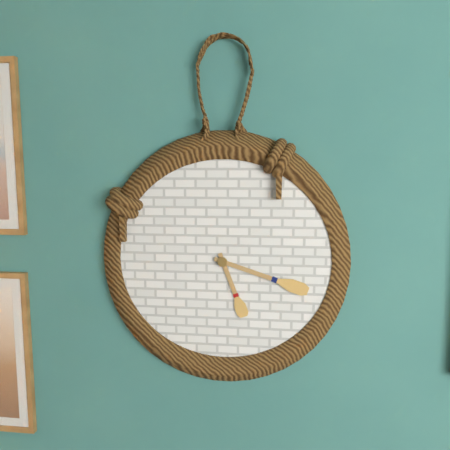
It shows 5,18
